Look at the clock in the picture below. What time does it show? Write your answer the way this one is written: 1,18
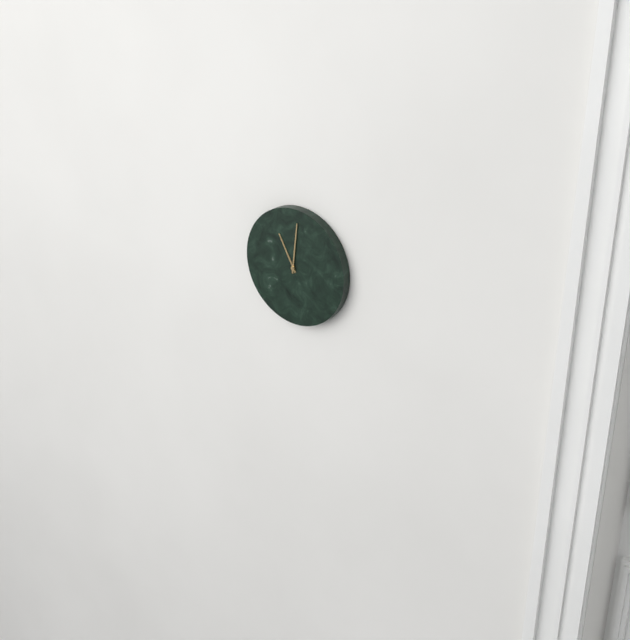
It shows 11,01
